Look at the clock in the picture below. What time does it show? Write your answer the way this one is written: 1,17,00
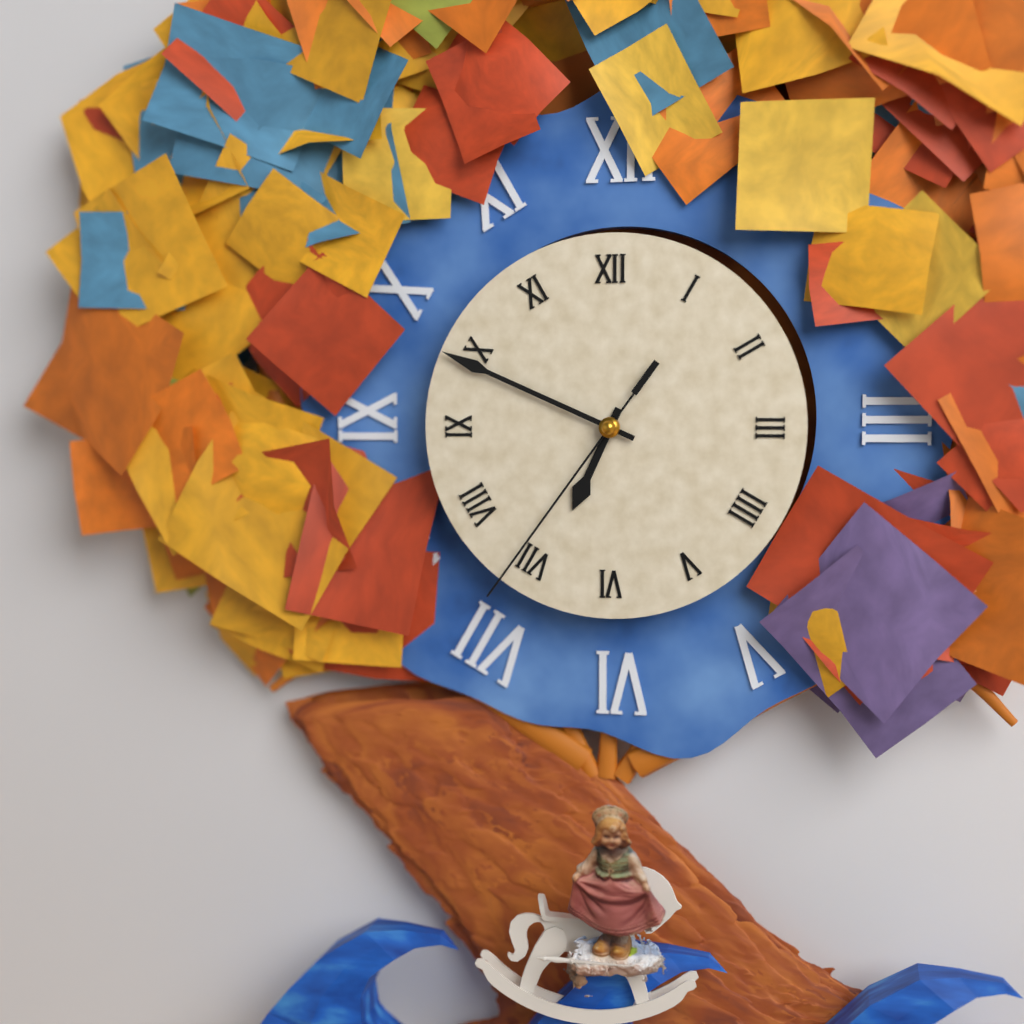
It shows 6,49,36
